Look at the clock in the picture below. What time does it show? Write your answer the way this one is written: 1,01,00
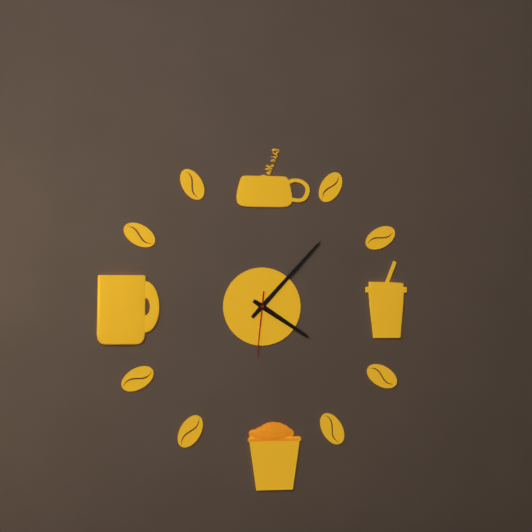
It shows 4,07,31
